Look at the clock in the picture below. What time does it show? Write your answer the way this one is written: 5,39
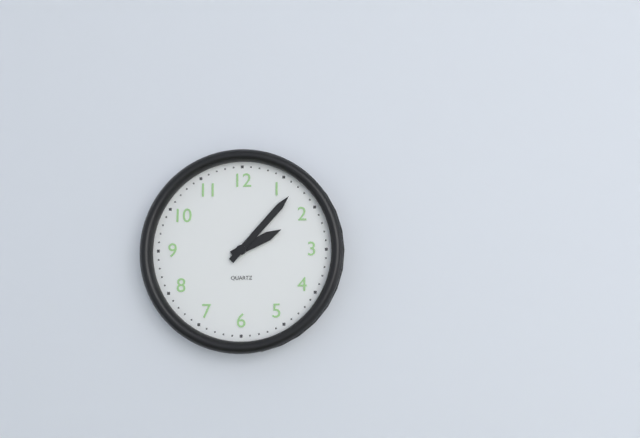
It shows 2,07
